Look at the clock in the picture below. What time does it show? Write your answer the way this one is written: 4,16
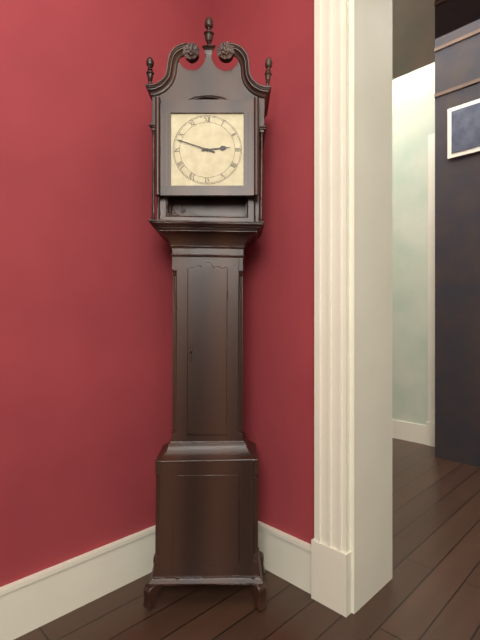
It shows 2,48
